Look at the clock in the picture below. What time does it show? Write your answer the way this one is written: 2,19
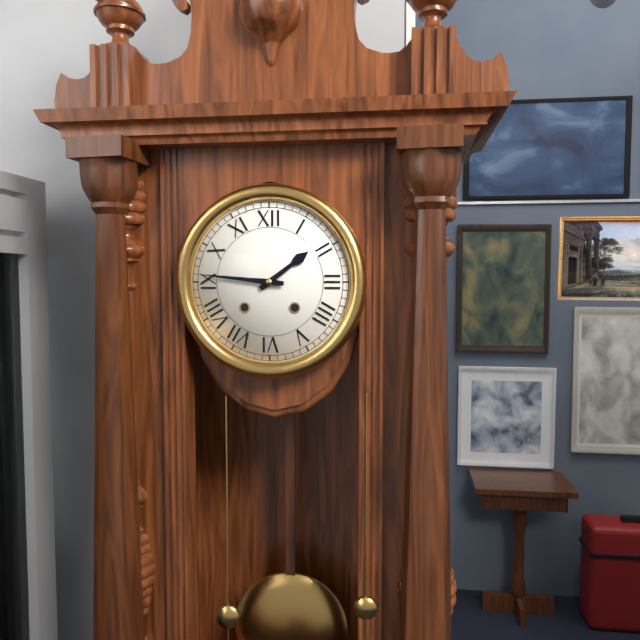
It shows 1,46
